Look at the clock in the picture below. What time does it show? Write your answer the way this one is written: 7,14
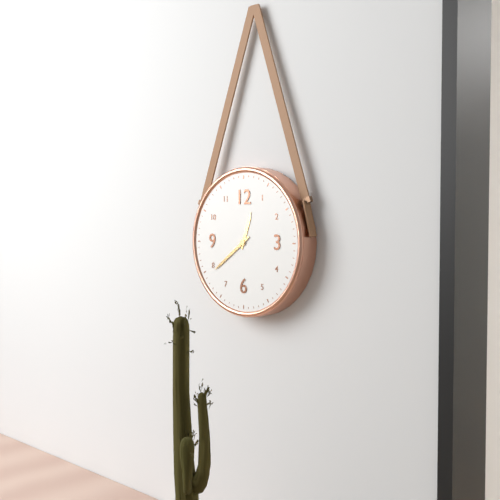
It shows 12,39
